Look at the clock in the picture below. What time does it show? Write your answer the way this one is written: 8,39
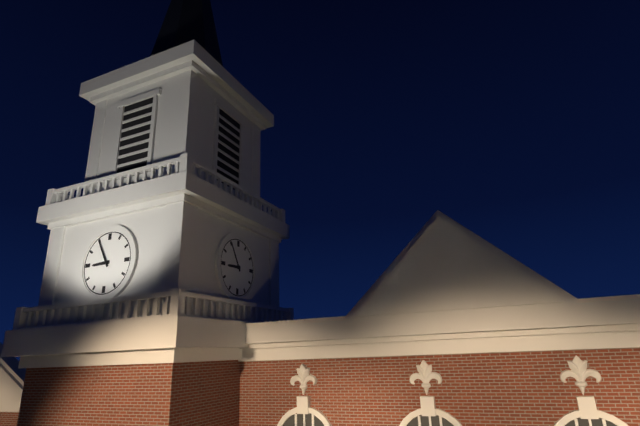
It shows 8,55
